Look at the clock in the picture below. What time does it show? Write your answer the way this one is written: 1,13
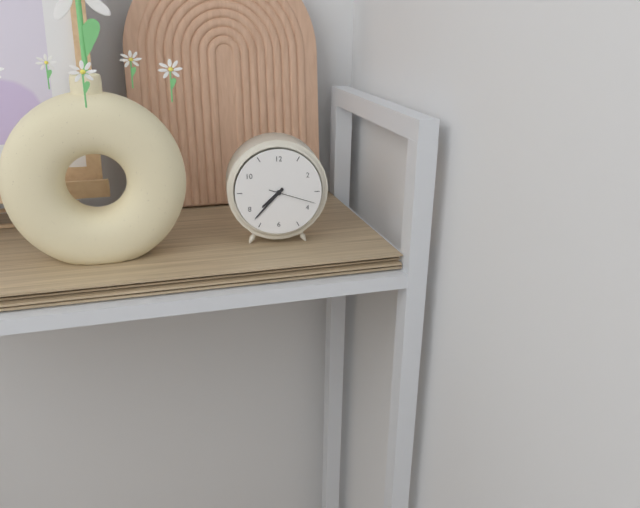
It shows 7,37
